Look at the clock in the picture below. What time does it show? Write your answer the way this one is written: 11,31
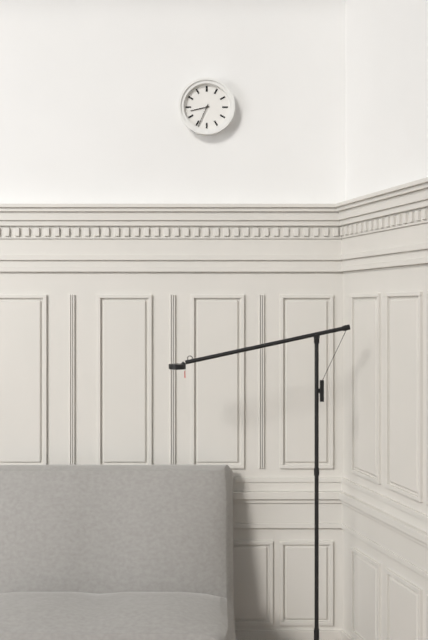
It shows 8,34
